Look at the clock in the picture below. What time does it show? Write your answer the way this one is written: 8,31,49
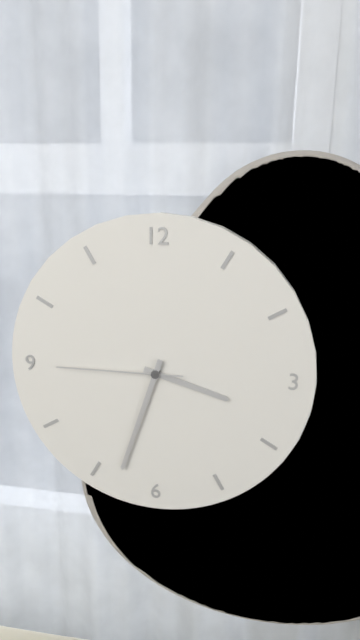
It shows 3,33,45
